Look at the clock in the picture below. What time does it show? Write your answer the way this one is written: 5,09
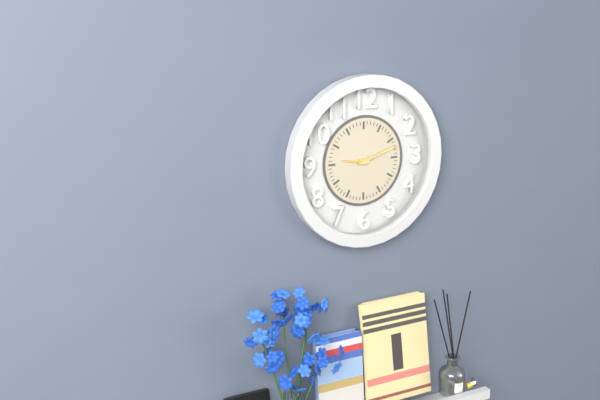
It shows 9,12
